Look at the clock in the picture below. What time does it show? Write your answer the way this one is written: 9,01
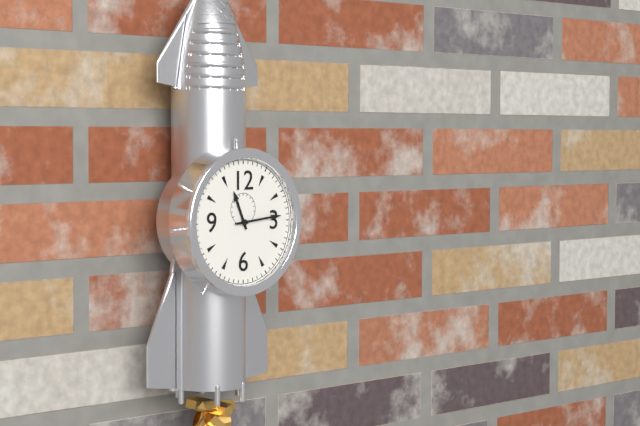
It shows 11,14
